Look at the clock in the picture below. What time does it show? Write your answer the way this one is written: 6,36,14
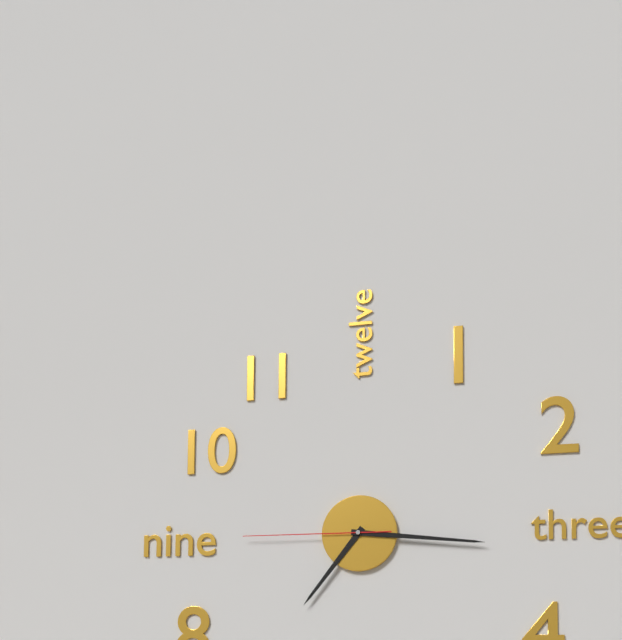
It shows 7,16,45
